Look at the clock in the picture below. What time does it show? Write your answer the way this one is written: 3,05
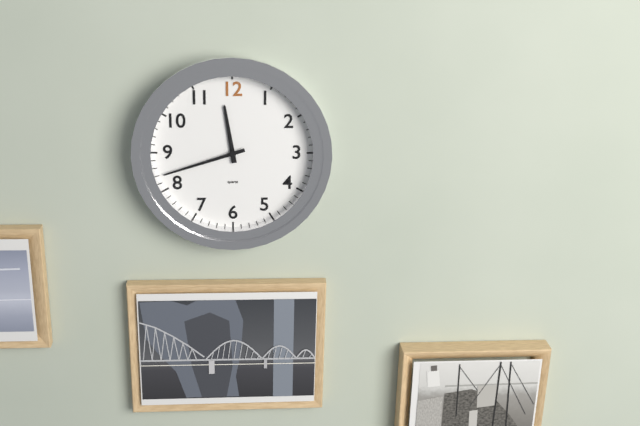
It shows 11,42
